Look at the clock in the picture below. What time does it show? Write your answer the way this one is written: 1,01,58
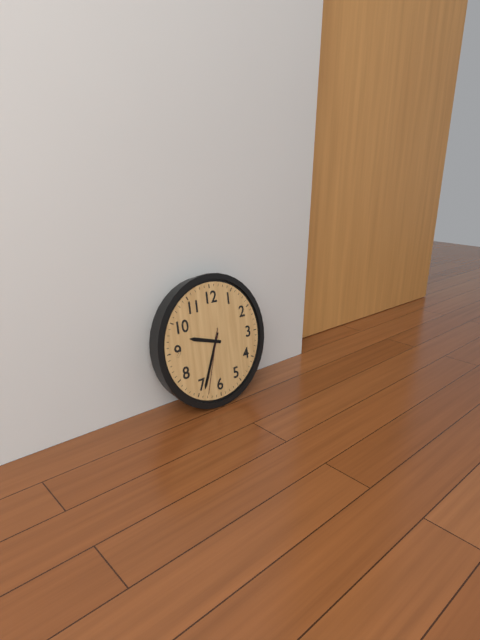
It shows 9,34,33
